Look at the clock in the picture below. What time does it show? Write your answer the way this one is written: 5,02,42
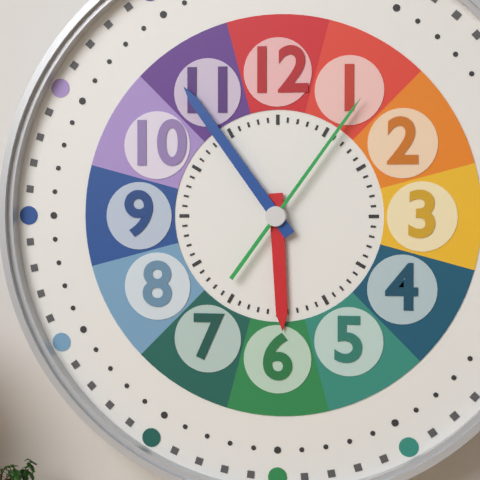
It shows 5,54,06
